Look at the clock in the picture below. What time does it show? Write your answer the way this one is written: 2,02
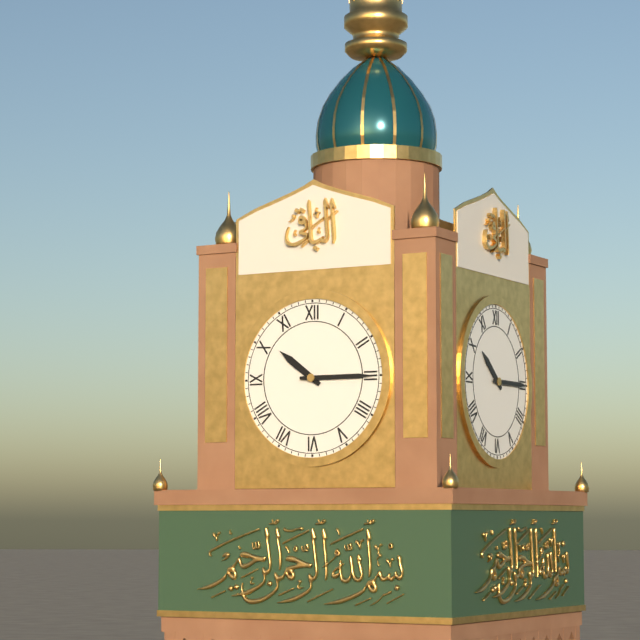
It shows 10,15
